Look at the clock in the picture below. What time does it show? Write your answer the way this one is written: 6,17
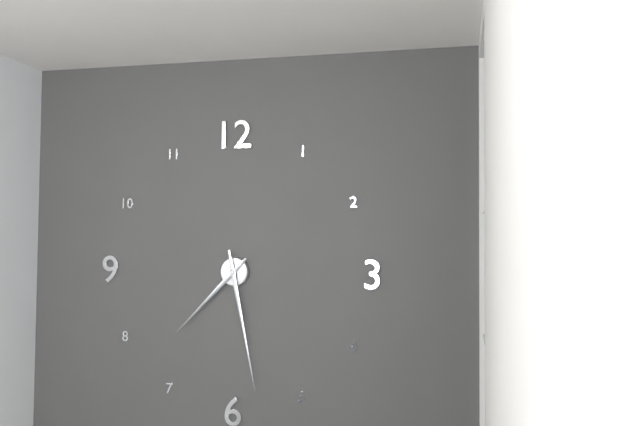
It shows 7,28
